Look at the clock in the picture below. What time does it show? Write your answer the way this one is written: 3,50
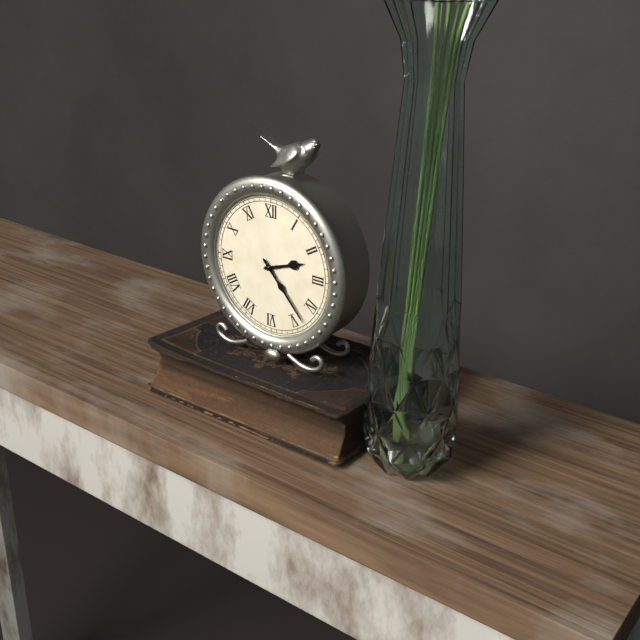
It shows 2,23
